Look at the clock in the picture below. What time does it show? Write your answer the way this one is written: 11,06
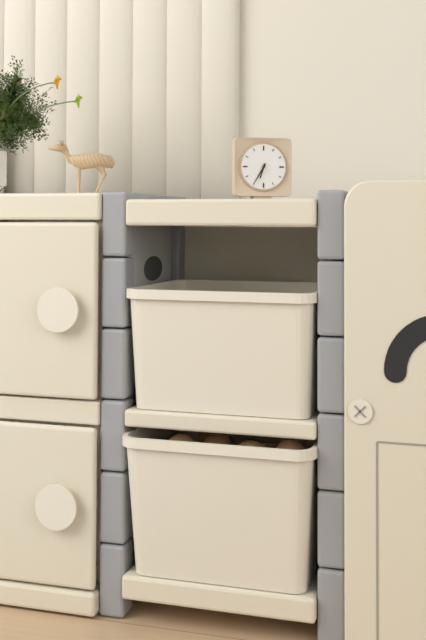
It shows 6,35
